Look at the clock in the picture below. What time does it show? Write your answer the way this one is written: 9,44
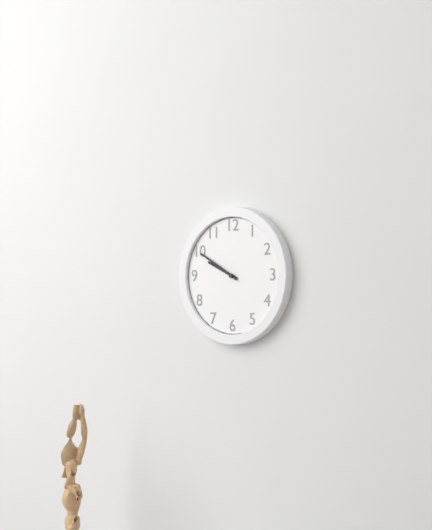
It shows 9,50
